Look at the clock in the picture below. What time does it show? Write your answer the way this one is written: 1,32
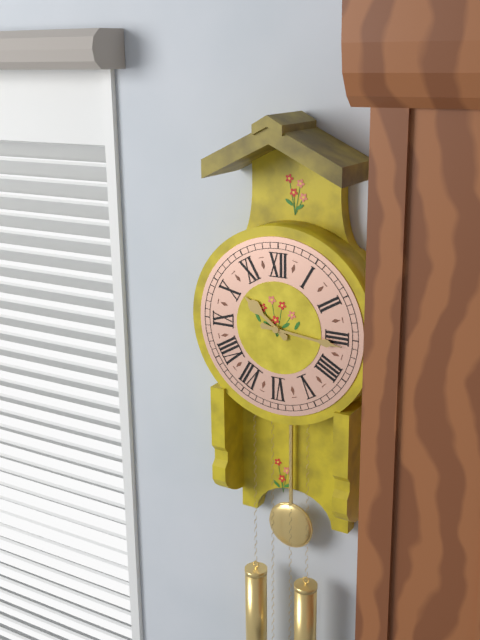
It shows 10,16
